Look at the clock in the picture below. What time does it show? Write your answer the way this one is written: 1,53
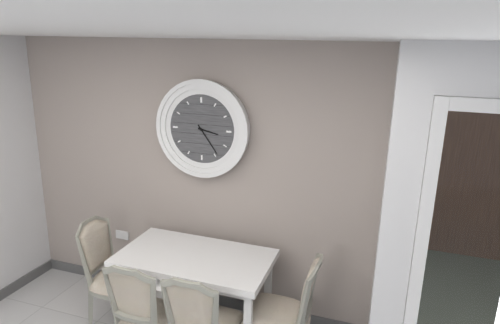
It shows 3,24
